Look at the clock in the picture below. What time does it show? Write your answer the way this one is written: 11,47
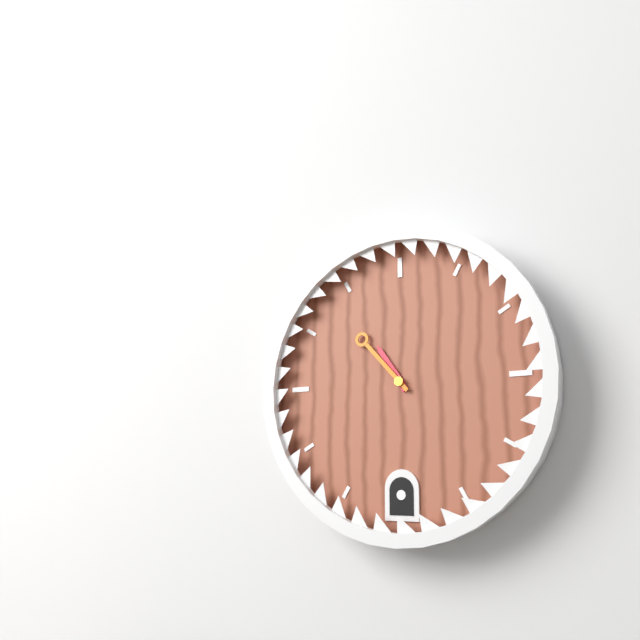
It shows 10,53
